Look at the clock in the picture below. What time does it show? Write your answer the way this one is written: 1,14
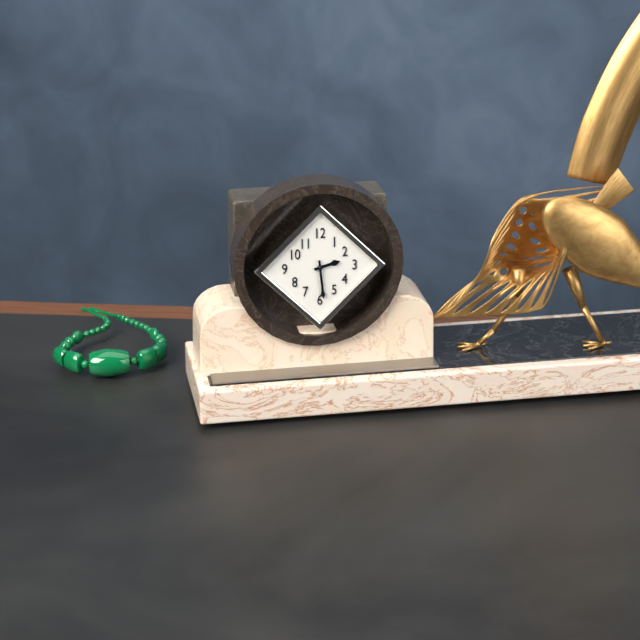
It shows 2,29
